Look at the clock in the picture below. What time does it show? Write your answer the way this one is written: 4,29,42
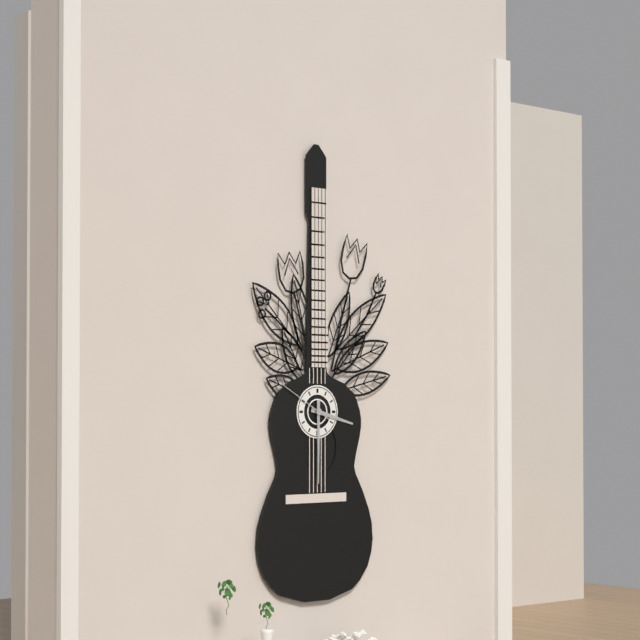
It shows 3,30,50
